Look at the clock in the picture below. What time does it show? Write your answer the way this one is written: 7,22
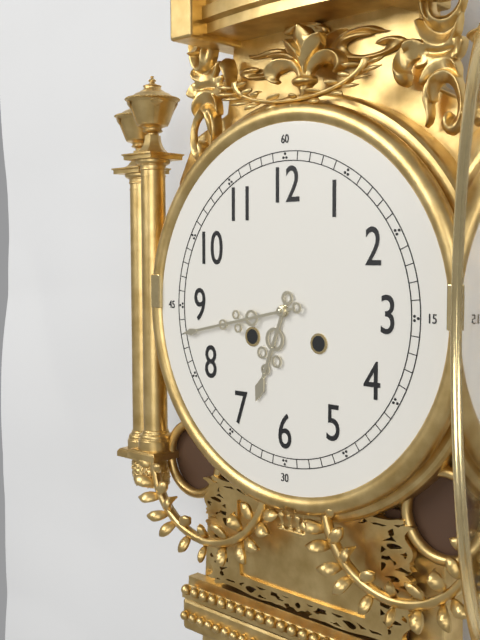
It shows 6,43
